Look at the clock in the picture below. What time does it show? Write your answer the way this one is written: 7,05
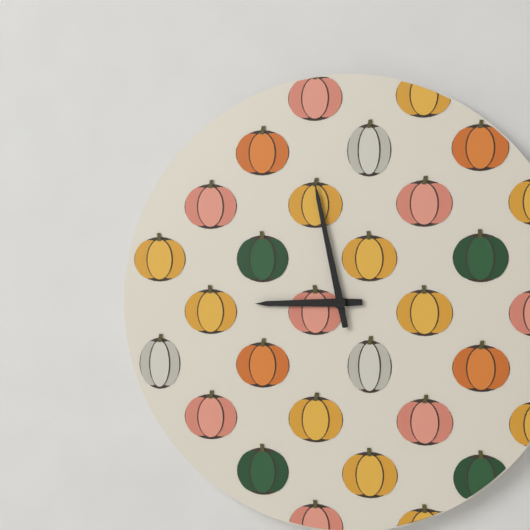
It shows 8,58
